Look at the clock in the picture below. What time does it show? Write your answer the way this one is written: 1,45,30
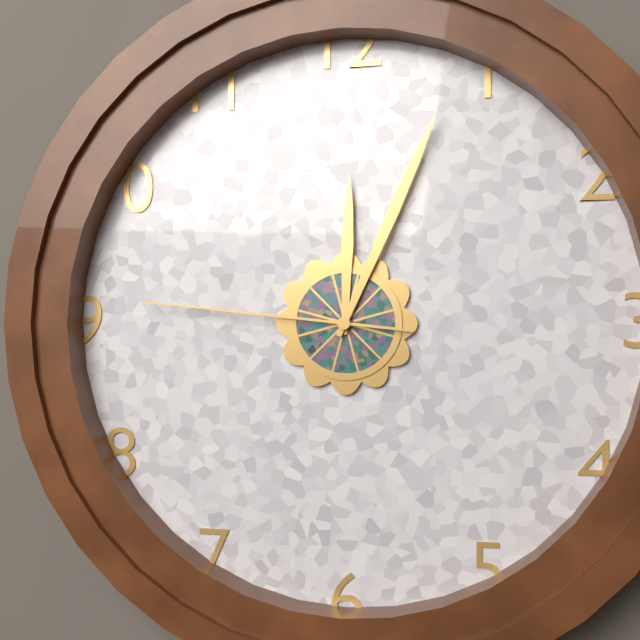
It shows 12,04,46
